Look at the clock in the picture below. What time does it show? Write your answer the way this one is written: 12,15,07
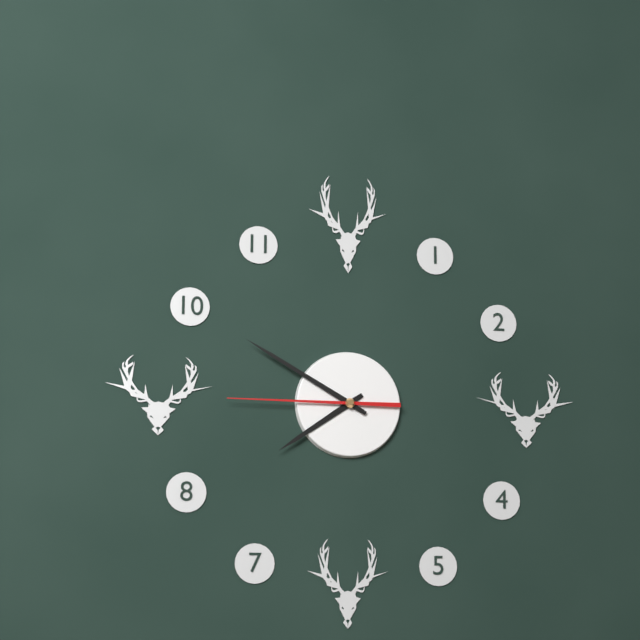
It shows 7,50,45
